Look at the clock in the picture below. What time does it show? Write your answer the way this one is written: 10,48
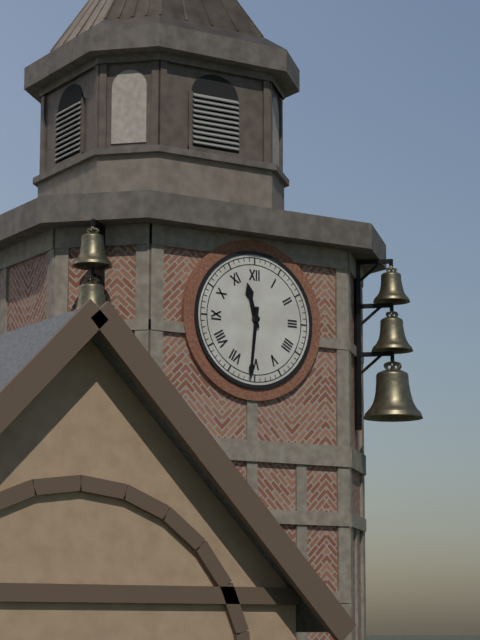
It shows 11,31
